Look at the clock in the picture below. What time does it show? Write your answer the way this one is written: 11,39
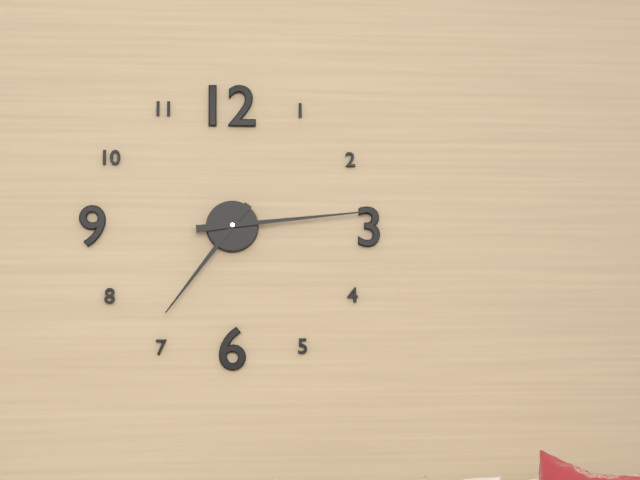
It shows 7,14
